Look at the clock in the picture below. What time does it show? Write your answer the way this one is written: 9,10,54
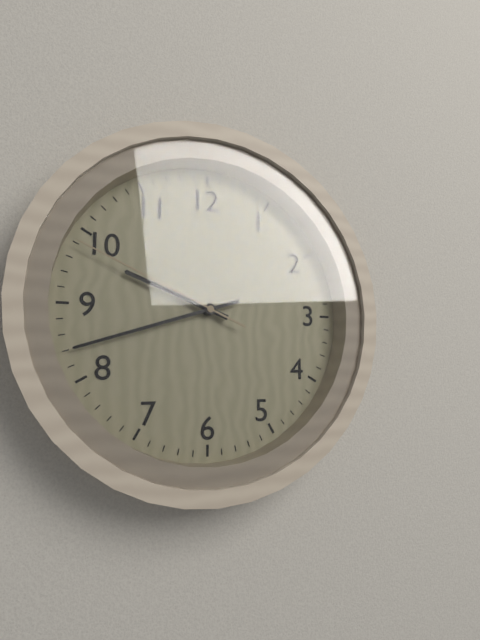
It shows 9,42,49
